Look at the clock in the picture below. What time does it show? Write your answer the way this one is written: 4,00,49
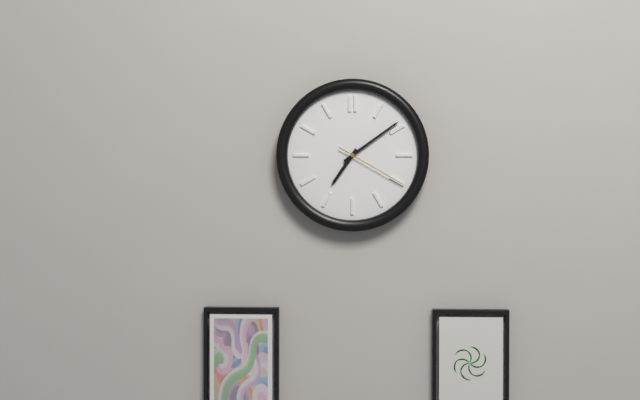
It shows 7,09,20
